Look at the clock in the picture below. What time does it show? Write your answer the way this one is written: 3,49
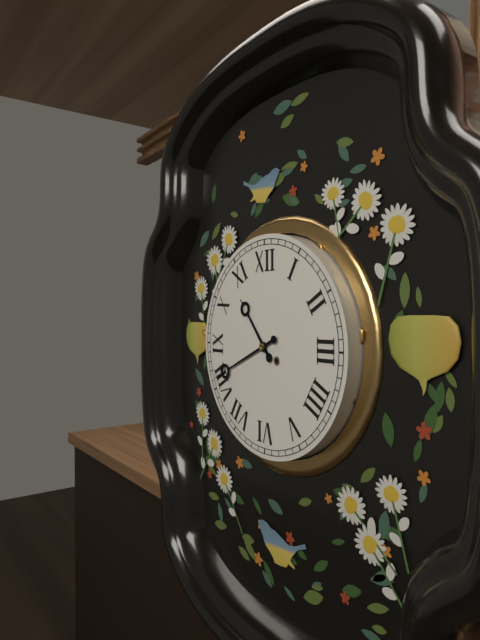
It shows 10,41
